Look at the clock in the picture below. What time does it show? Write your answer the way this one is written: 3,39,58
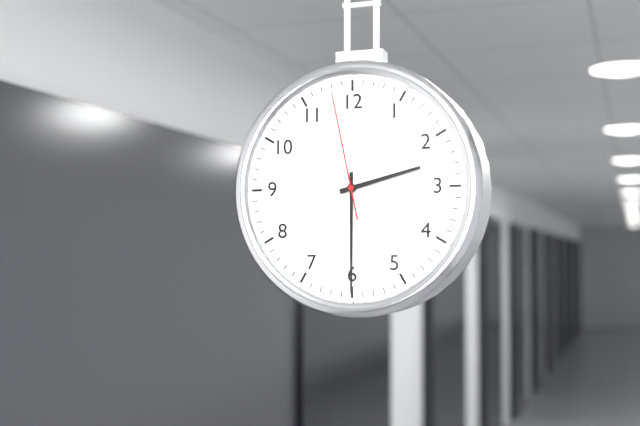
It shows 2,30,58
